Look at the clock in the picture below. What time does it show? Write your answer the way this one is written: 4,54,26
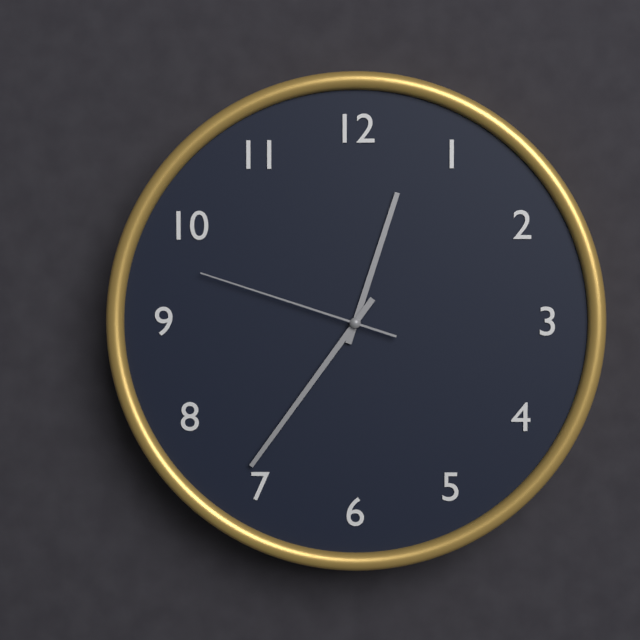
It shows 12,36,48
